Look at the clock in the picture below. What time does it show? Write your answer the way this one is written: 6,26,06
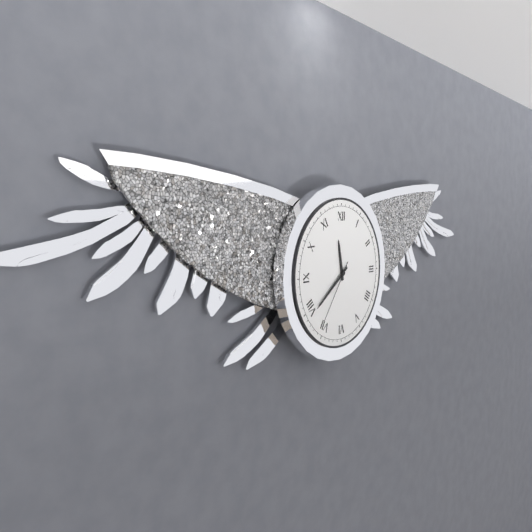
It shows 11,39,36
